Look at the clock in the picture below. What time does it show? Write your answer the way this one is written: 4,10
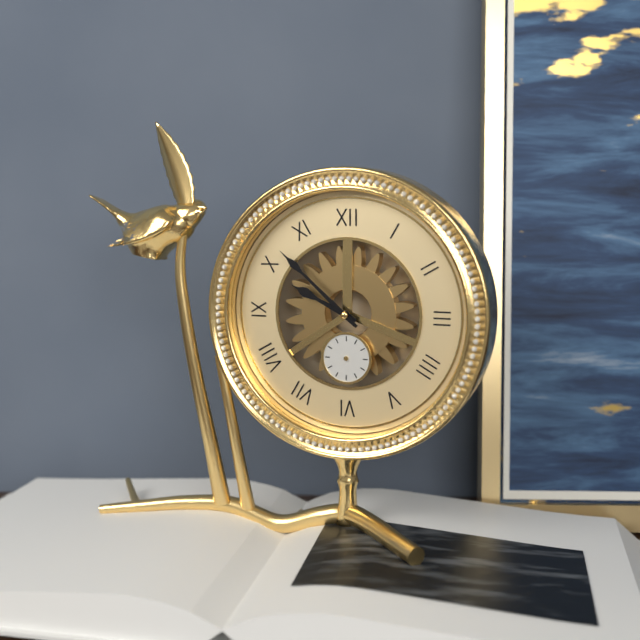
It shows 9,52
